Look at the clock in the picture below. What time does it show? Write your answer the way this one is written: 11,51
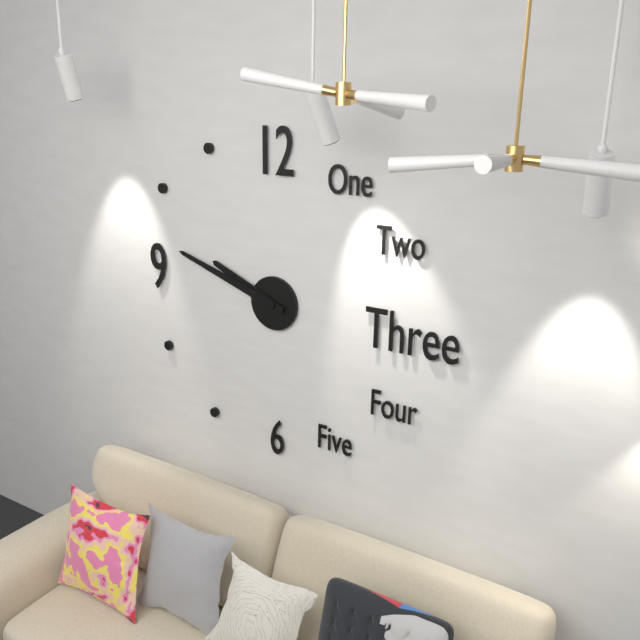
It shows 9,48
